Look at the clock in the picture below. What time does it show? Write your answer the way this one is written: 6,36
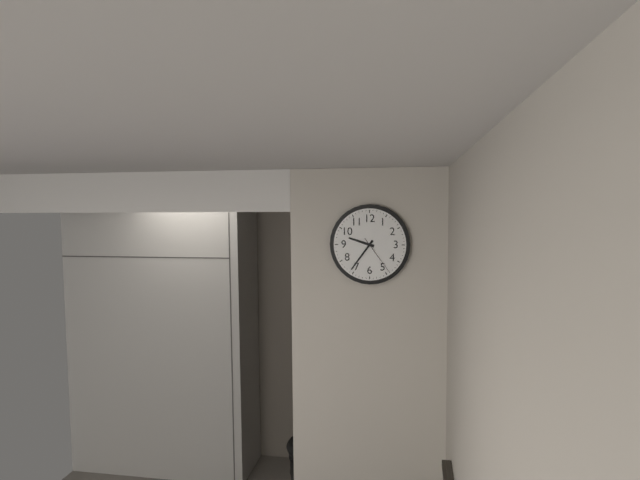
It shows 9,36
